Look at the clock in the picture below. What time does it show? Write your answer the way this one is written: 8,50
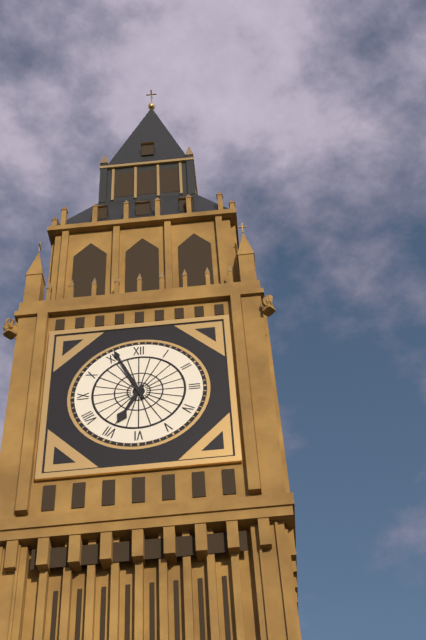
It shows 6,56
